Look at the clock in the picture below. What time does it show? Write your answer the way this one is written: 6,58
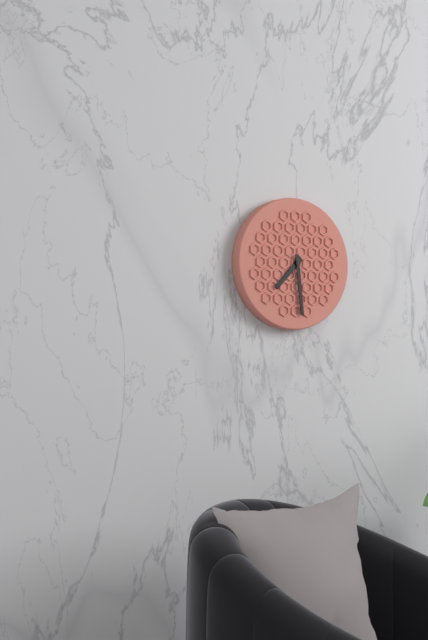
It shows 7,29
